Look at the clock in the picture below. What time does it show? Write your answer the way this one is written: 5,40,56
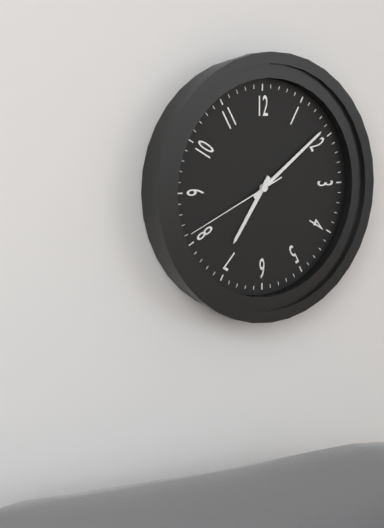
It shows 7,09,41
